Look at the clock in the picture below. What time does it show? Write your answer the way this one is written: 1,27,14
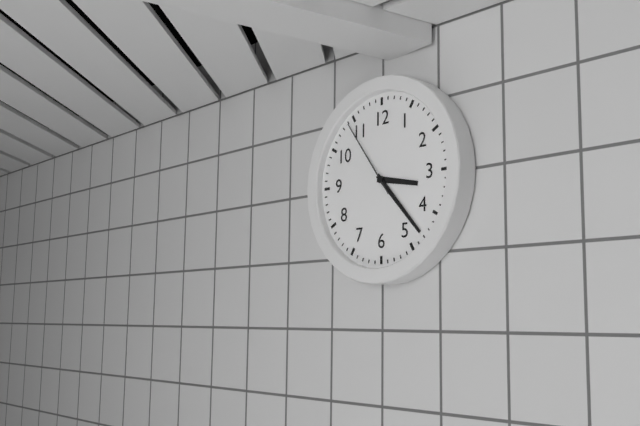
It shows 3,23,54
